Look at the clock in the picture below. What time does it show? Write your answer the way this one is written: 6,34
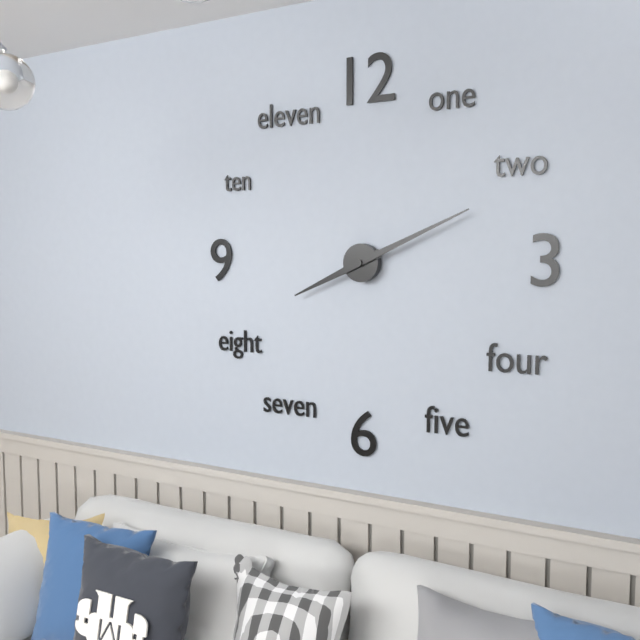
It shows 8,11
